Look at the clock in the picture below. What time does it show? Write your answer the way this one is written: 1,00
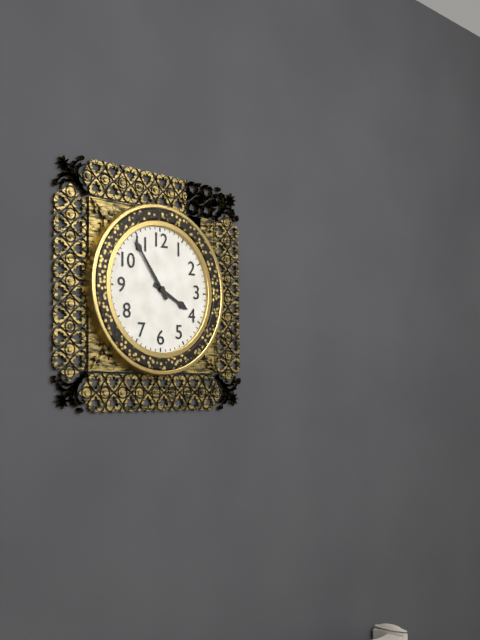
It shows 3,54
